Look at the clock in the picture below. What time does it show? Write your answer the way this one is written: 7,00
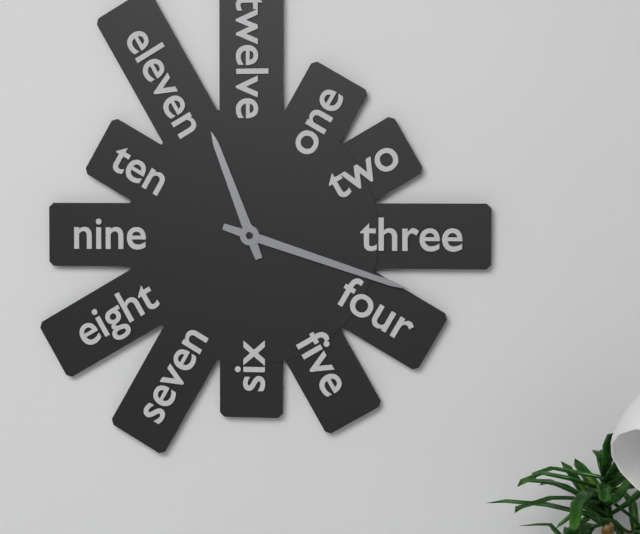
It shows 11,18
